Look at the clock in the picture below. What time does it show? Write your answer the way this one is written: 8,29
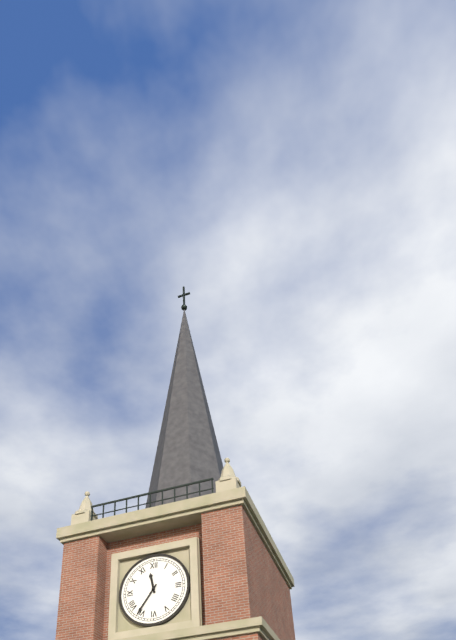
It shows 11,36
